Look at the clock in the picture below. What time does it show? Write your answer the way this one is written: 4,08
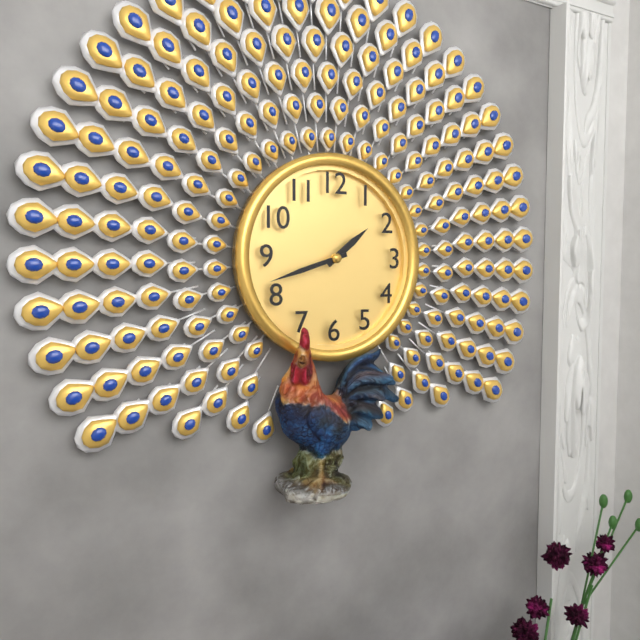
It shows 1,42
